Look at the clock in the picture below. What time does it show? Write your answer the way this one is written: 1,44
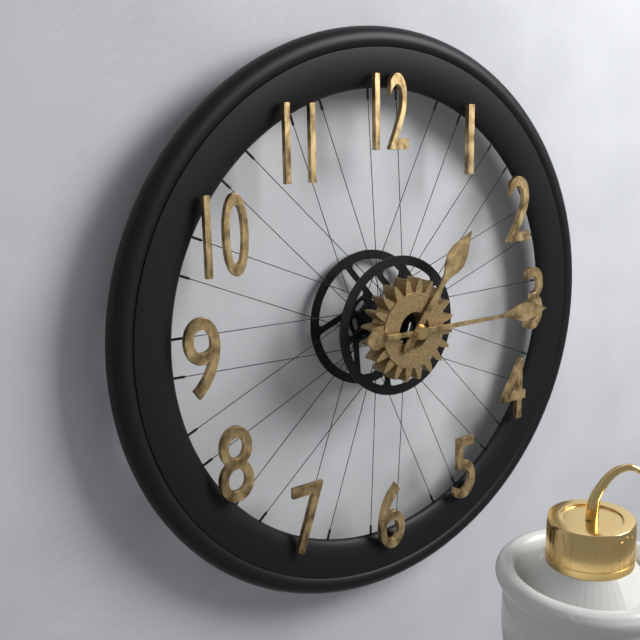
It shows 1,15
